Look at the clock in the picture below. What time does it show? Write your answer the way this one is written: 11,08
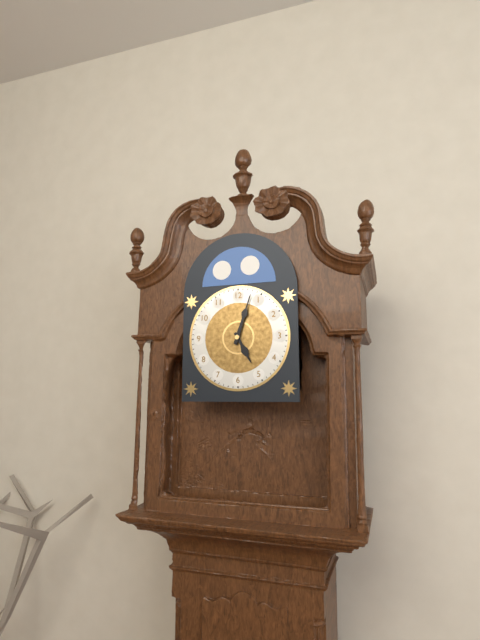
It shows 5,03
